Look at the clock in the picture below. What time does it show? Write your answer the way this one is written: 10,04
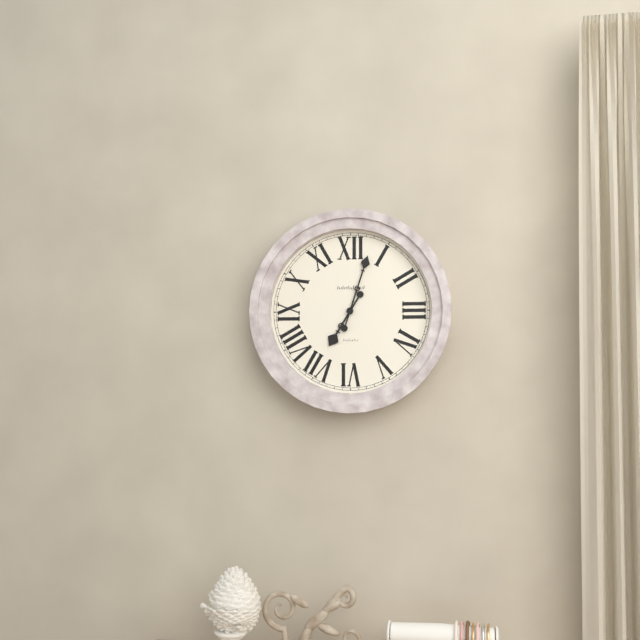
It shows 7,03
